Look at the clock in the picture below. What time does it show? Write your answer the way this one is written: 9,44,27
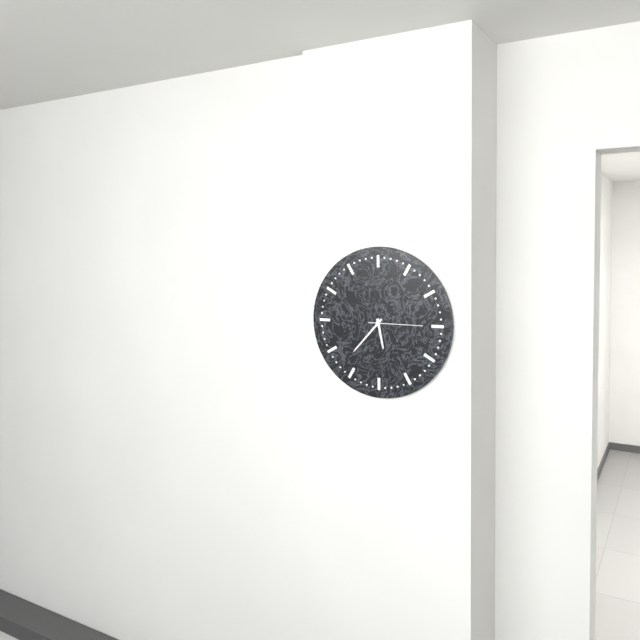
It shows 5,37,15
